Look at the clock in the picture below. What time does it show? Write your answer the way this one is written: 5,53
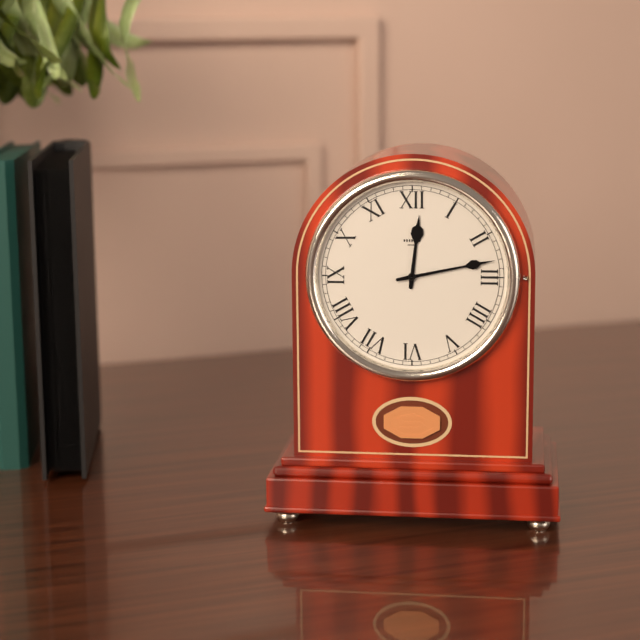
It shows 12,13
